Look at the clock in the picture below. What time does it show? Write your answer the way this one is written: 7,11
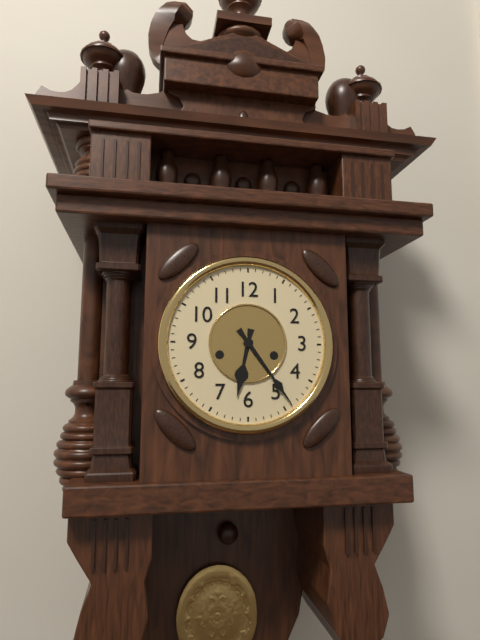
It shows 6,24
